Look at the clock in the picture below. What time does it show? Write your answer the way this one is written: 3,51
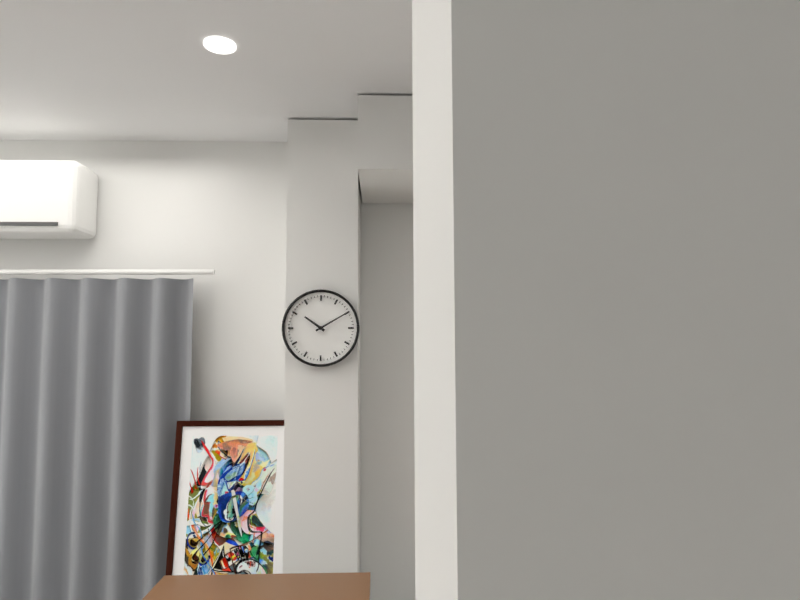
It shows 10,10
